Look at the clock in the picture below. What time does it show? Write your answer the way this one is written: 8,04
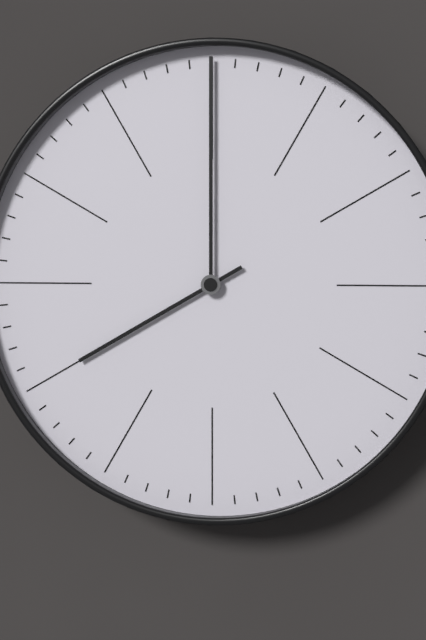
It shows 8,00
